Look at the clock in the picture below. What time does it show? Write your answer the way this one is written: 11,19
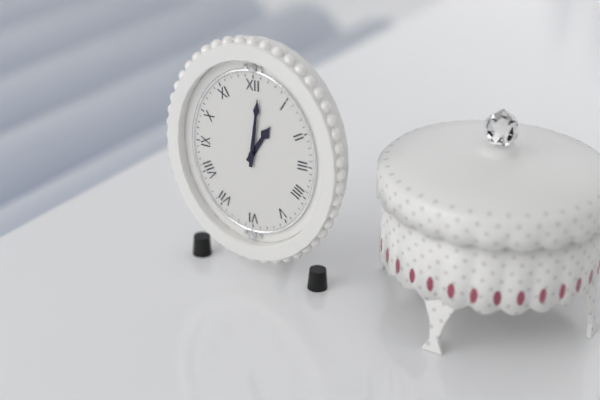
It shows 1,01
